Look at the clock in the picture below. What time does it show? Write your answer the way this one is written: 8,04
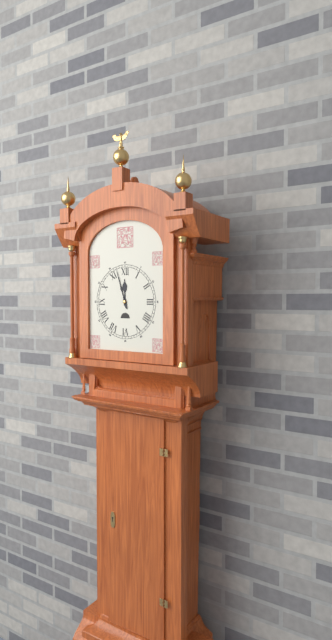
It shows 11,57
